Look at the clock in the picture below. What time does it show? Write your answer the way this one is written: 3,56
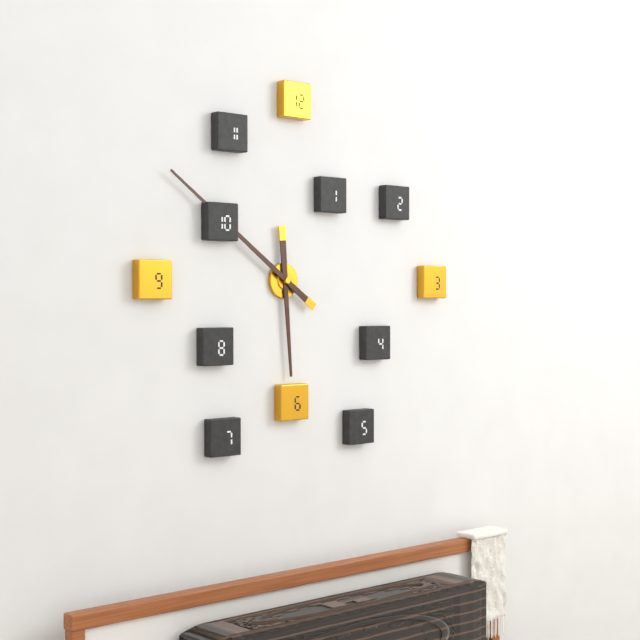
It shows 5,51
